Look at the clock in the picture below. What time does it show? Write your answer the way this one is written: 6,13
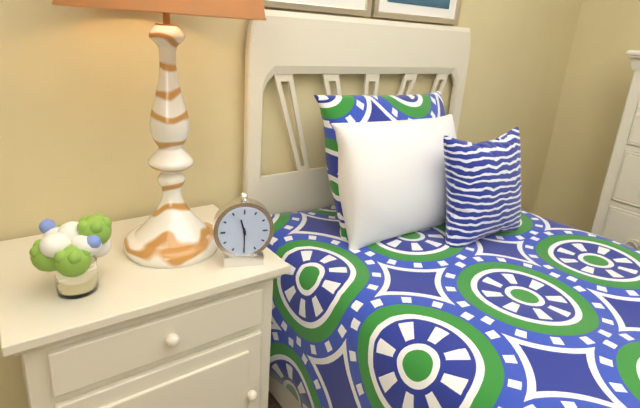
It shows 11,30
